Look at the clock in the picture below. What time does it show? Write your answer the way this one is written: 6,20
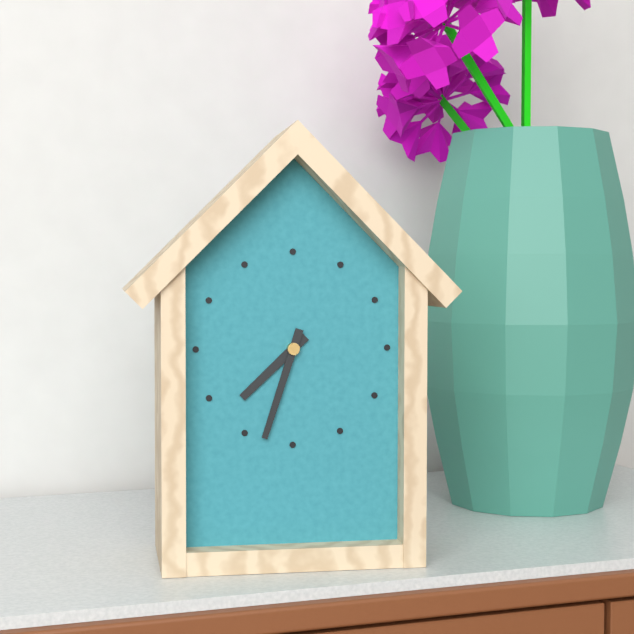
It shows 7,33
